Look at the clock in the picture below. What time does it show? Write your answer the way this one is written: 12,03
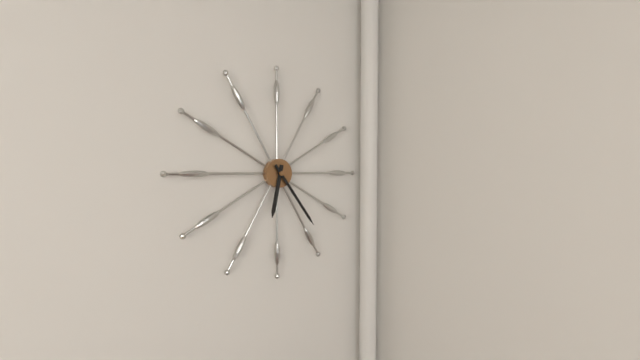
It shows 6,24
